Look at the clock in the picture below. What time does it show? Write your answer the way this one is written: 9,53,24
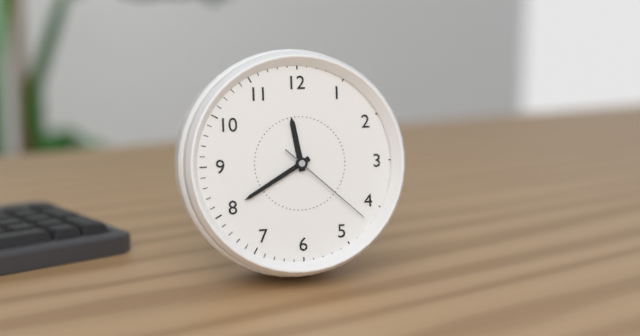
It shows 11,40,22
